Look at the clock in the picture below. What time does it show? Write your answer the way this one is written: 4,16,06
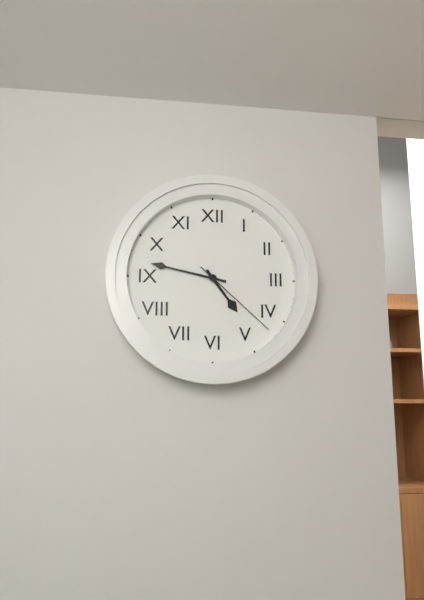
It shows 4,47,22
